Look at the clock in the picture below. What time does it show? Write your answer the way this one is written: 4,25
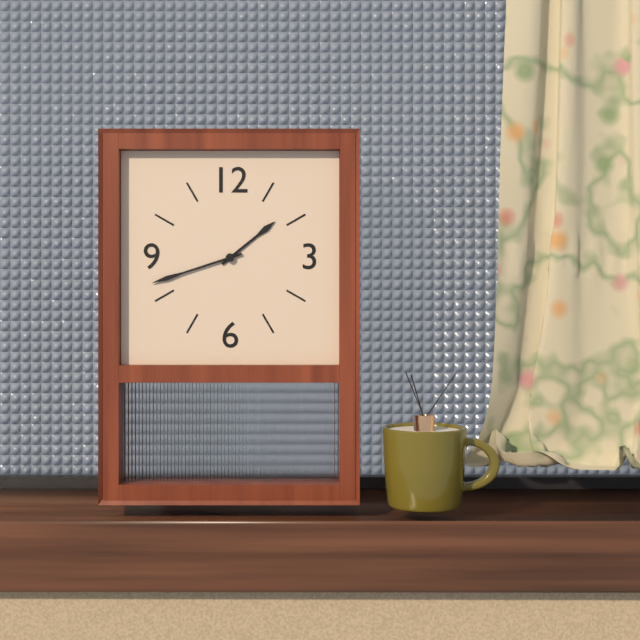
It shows 1,42
